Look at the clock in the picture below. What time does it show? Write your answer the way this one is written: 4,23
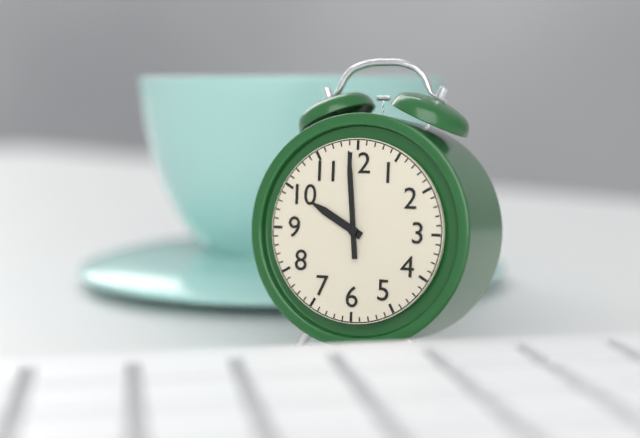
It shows 9,59
